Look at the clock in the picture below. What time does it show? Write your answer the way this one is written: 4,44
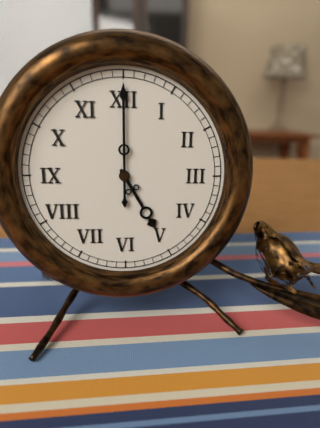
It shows 5,00
